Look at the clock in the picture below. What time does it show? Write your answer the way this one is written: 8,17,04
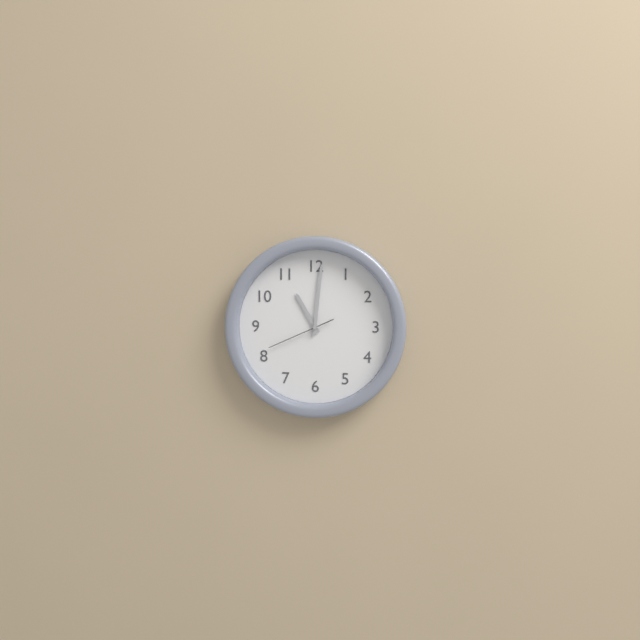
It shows 11,01,41
